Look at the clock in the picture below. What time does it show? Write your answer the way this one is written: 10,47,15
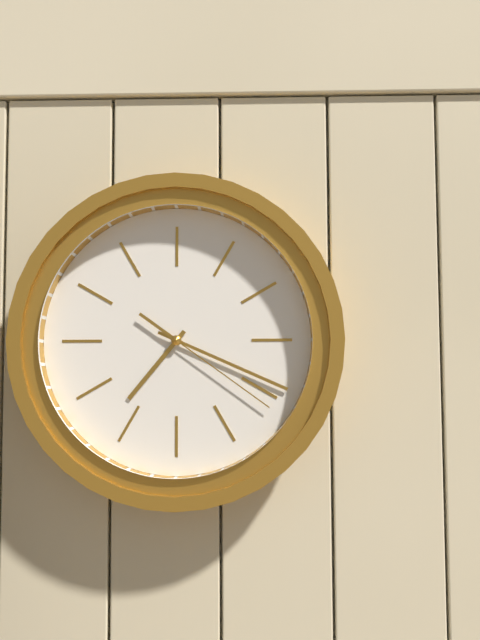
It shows 7,19,21
